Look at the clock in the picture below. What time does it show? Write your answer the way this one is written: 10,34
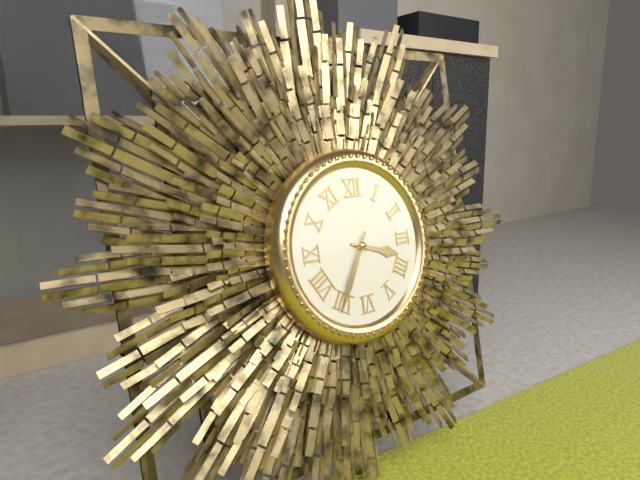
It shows 3,35
